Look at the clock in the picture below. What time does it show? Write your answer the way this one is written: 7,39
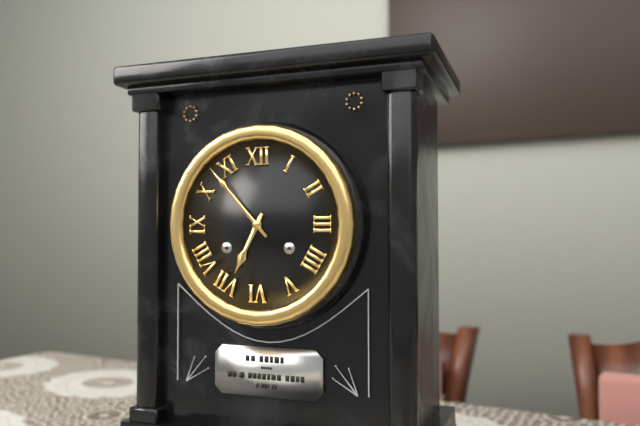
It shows 6,53
